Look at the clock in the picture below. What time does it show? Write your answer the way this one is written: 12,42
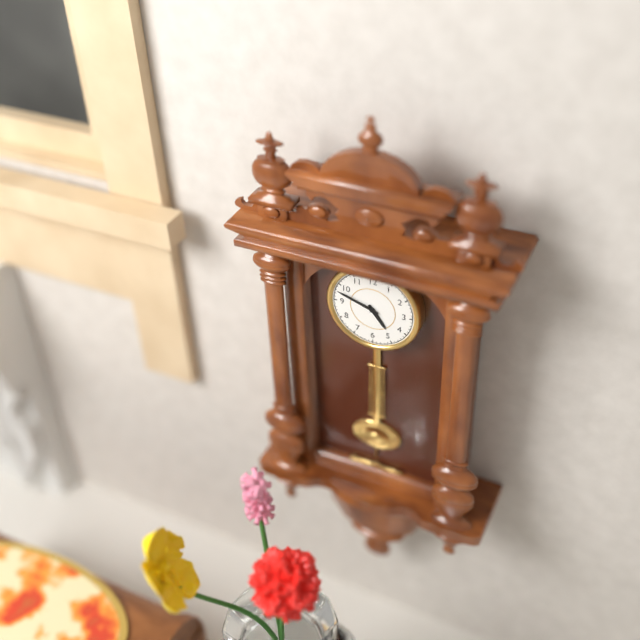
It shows 4,48
